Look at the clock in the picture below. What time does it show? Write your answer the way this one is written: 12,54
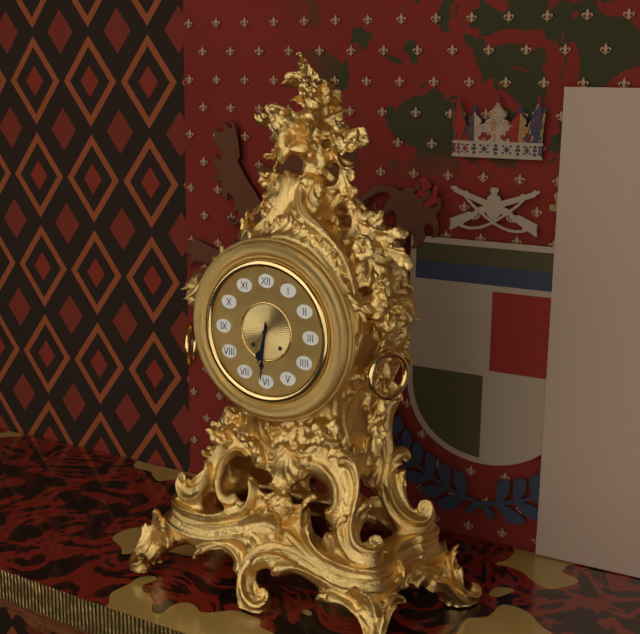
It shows 6,31
